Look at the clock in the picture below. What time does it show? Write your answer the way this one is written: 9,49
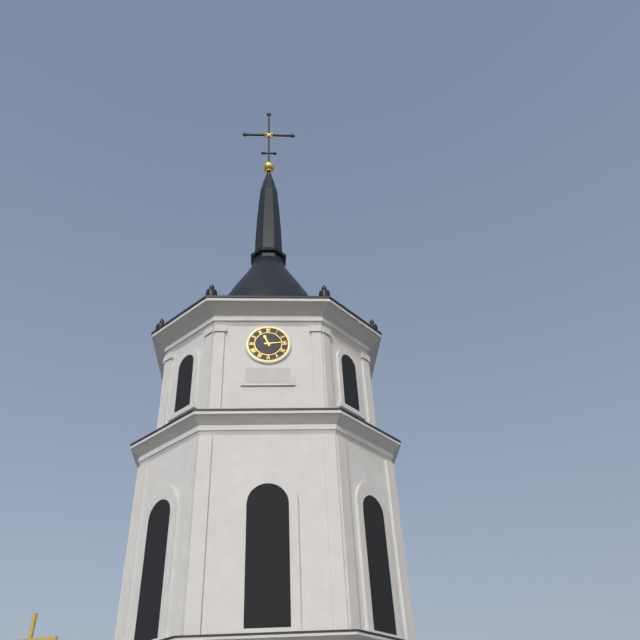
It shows 11,14
